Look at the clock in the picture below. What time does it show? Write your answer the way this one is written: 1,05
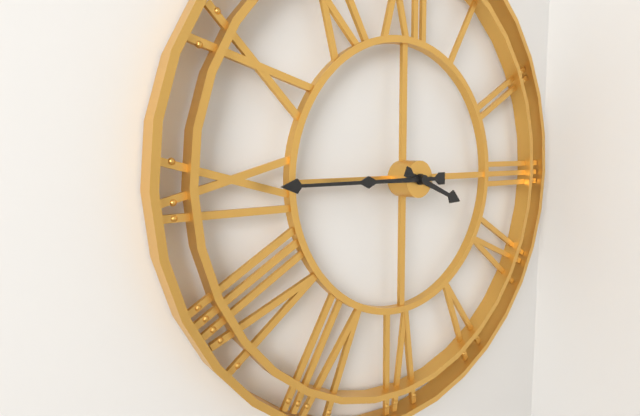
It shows 3,45
